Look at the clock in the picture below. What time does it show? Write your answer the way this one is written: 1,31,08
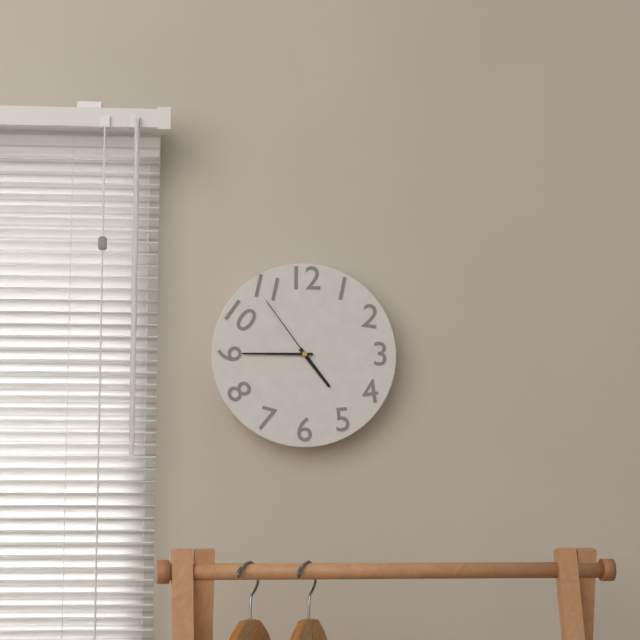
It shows 4,45,54
